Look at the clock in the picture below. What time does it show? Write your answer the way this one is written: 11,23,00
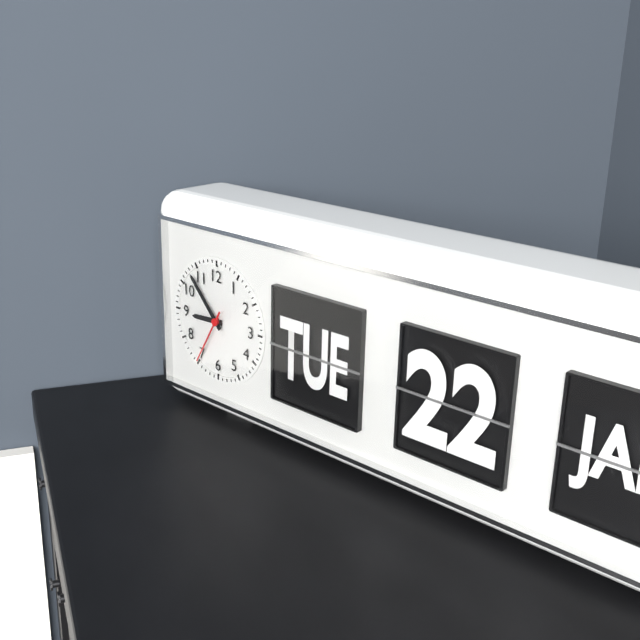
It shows 8,53,35
